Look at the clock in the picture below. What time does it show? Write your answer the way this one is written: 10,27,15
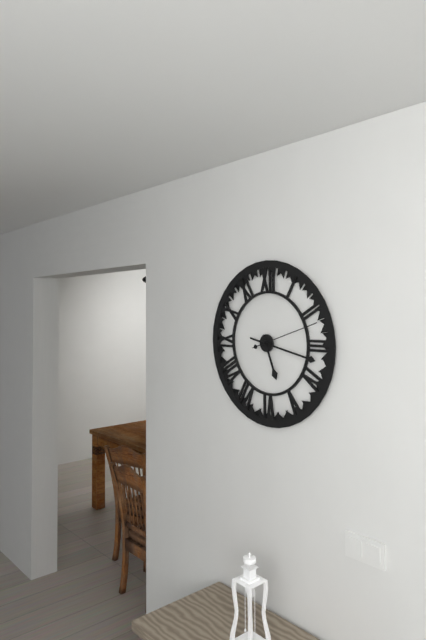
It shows 5,17,12
